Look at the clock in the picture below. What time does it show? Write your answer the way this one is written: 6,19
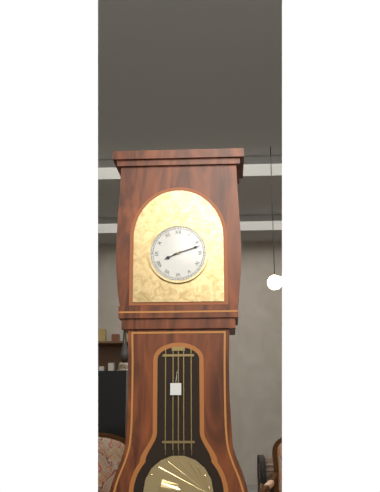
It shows 8,12
